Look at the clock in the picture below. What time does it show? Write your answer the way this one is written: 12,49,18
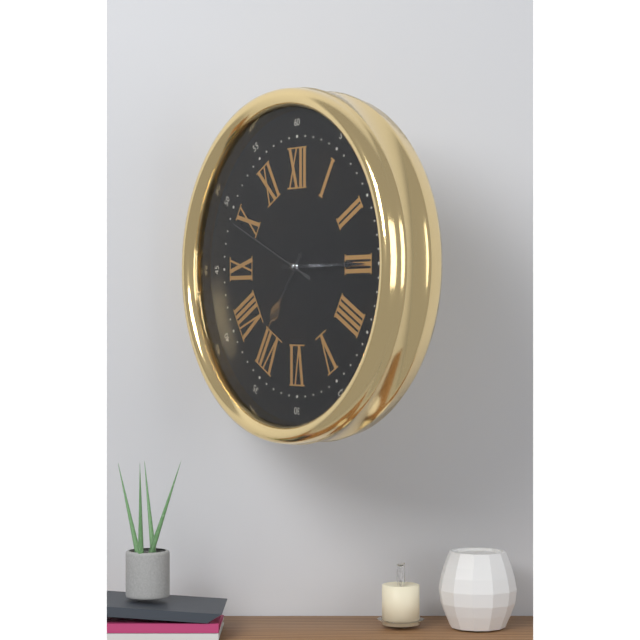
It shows 7,15,49
